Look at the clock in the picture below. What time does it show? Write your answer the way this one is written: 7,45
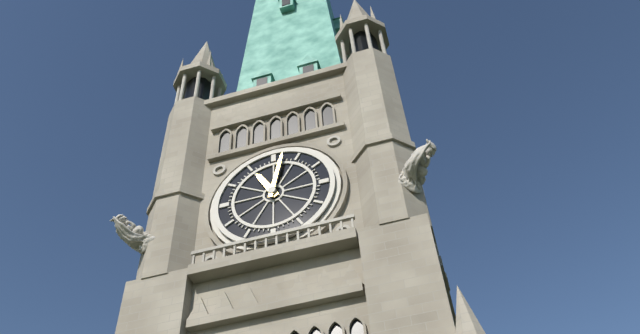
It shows 11,02
